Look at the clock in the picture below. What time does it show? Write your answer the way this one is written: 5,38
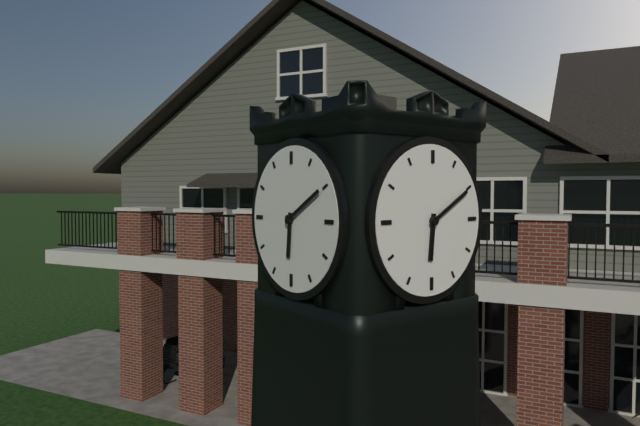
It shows 6,10
